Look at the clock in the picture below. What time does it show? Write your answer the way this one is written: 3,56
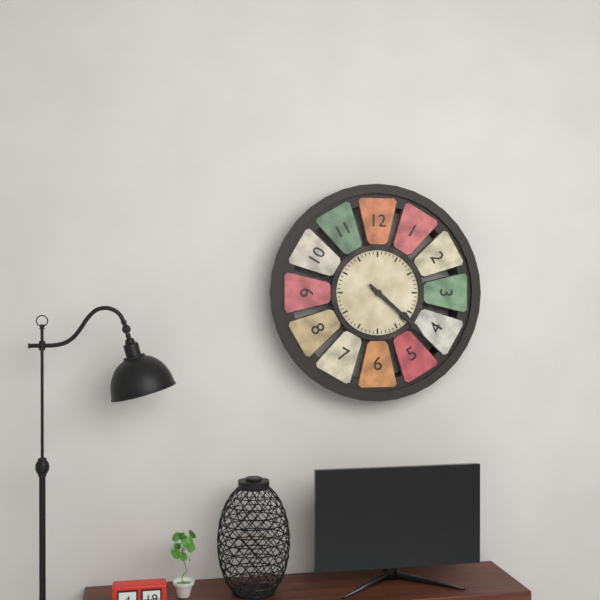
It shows 4,22
